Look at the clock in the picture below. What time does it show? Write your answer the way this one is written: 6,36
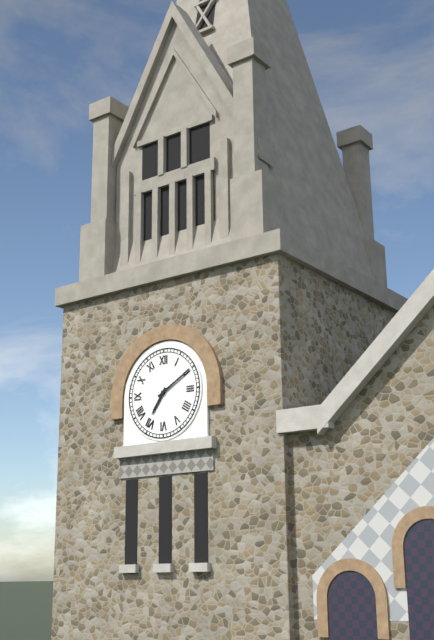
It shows 7,10
